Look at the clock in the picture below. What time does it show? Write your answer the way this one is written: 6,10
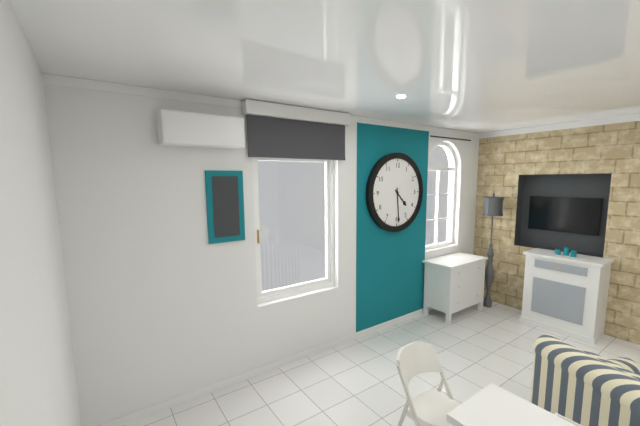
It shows 4,29
